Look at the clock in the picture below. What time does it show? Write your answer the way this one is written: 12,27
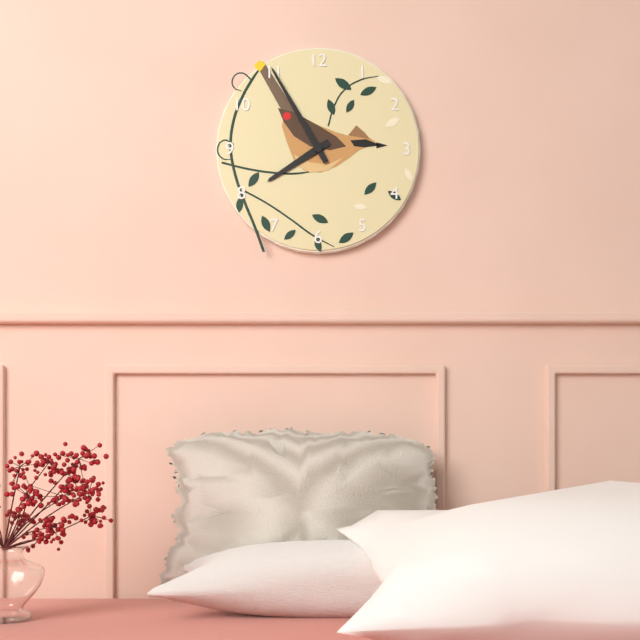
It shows 7,55
